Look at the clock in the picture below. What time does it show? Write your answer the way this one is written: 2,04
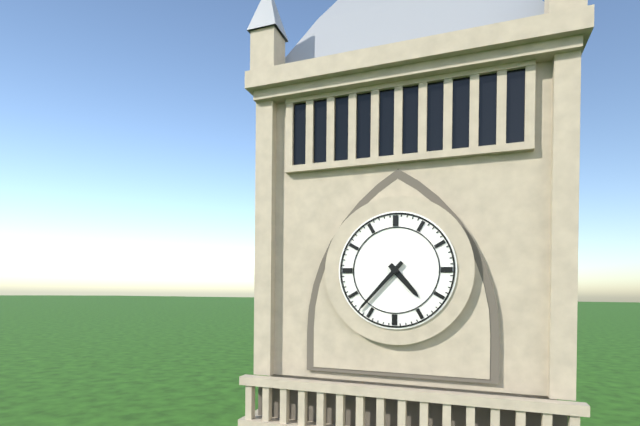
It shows 4,37
